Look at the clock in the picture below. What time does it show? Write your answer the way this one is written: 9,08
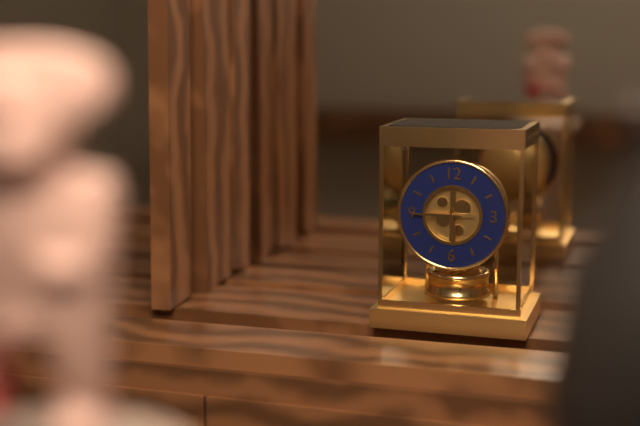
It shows 5,45
